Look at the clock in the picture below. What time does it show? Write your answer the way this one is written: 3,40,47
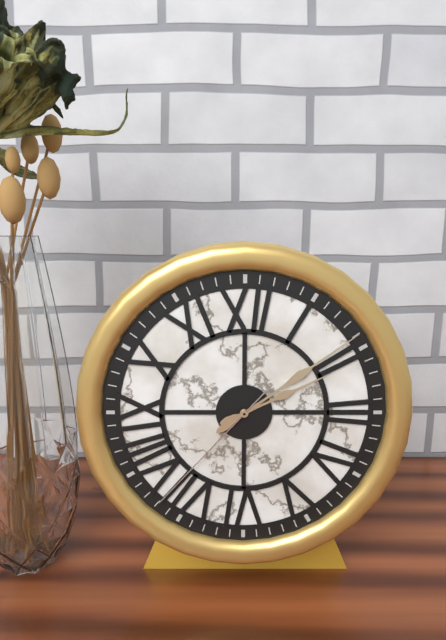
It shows 2,09,37
